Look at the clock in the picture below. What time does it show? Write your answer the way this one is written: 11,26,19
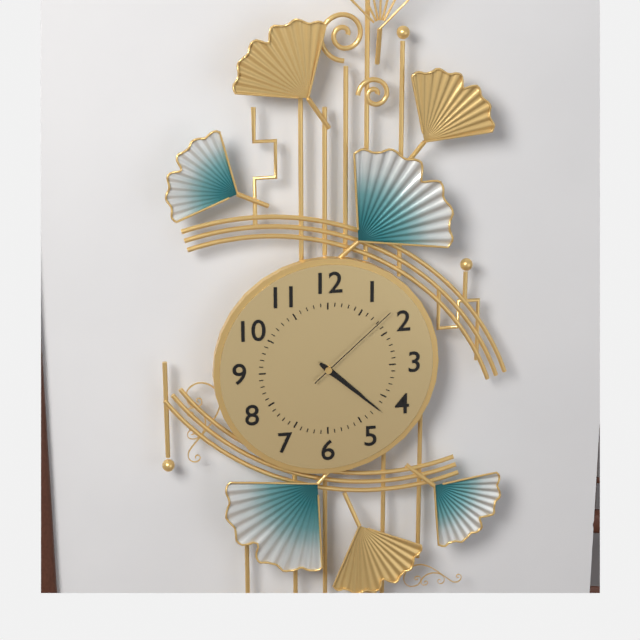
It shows 4,22,08
